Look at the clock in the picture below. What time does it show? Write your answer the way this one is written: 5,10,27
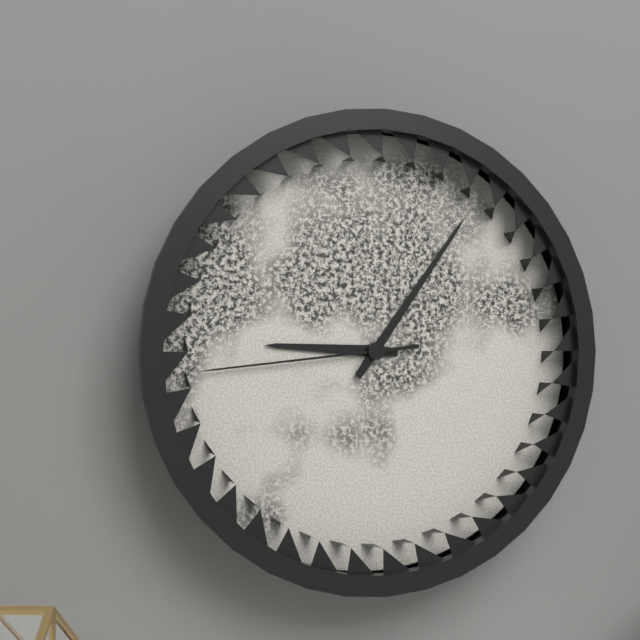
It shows 9,06,44
